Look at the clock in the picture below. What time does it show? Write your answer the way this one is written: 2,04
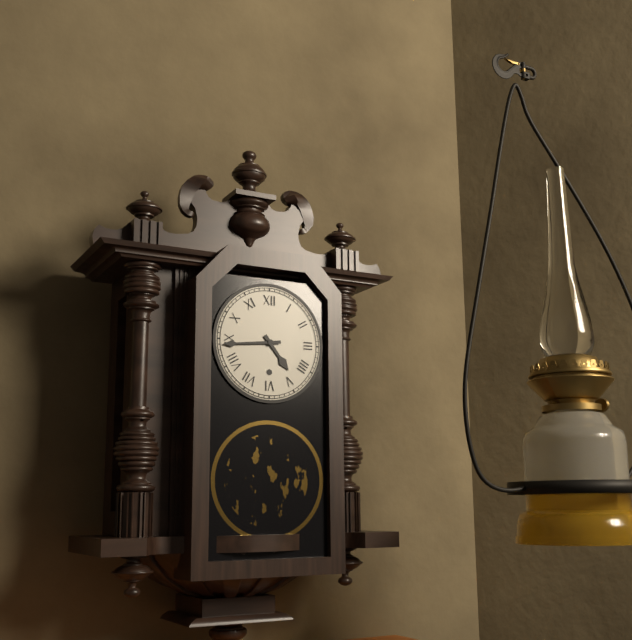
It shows 4,44
